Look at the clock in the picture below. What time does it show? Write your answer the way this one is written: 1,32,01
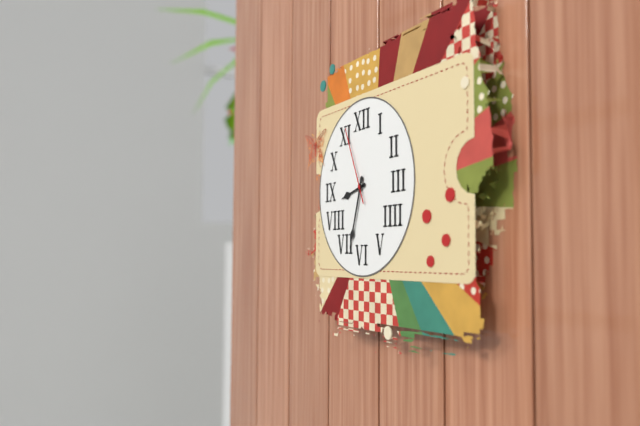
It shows 8,33,56
